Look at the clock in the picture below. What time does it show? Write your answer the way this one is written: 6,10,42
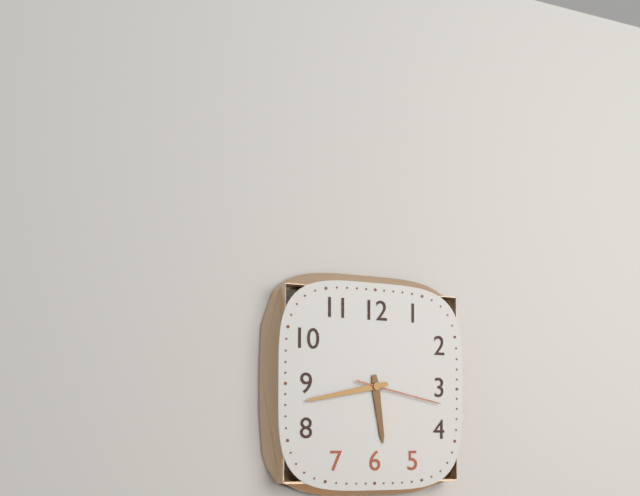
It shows 5,43,17
